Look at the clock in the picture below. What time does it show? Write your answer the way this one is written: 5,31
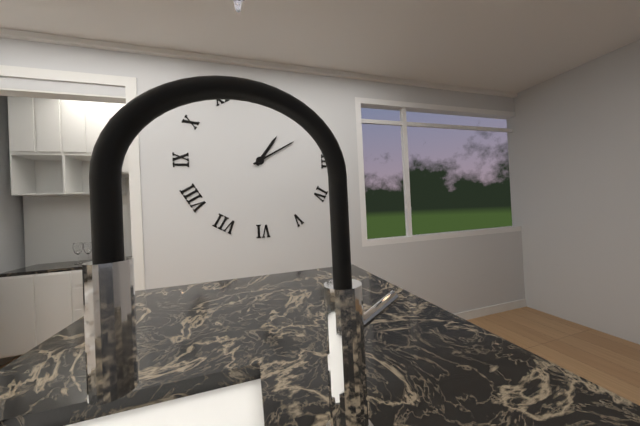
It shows 1,10
